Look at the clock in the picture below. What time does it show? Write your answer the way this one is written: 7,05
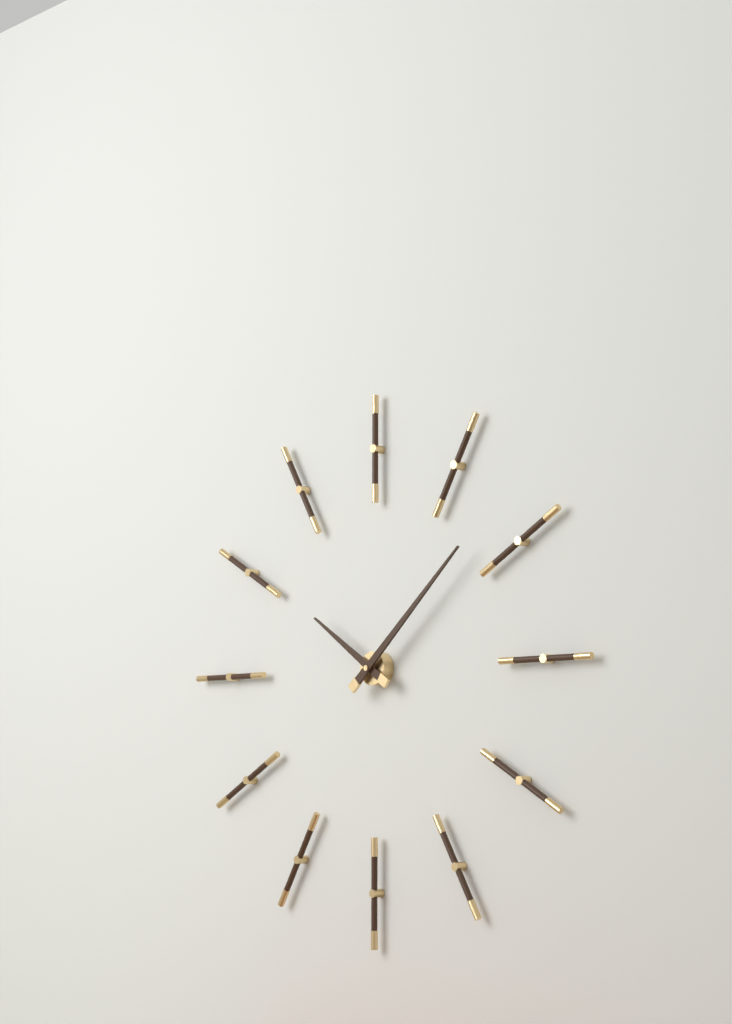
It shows 10,08
